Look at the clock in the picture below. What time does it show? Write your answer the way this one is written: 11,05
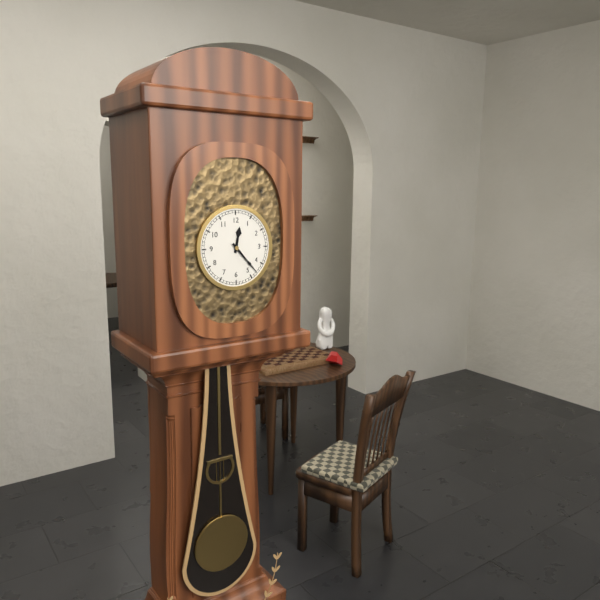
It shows 12,23
